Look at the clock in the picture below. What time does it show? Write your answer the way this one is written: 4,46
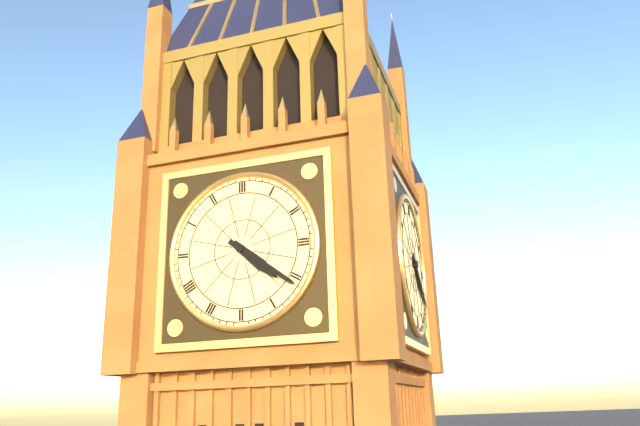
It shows 4,21
